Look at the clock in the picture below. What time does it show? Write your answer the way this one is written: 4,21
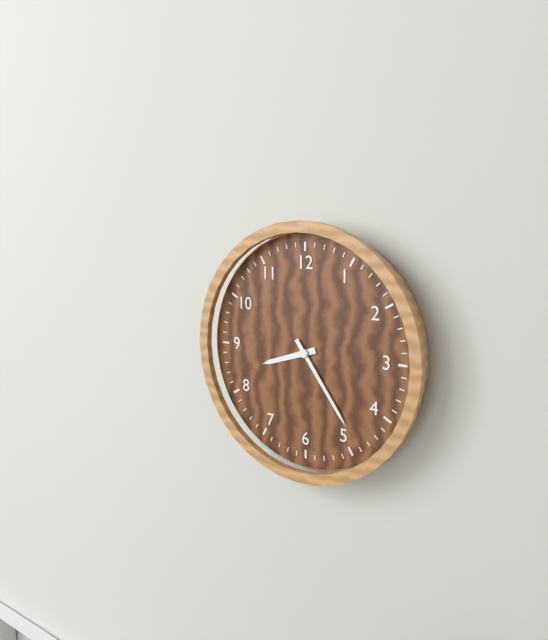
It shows 8,24
